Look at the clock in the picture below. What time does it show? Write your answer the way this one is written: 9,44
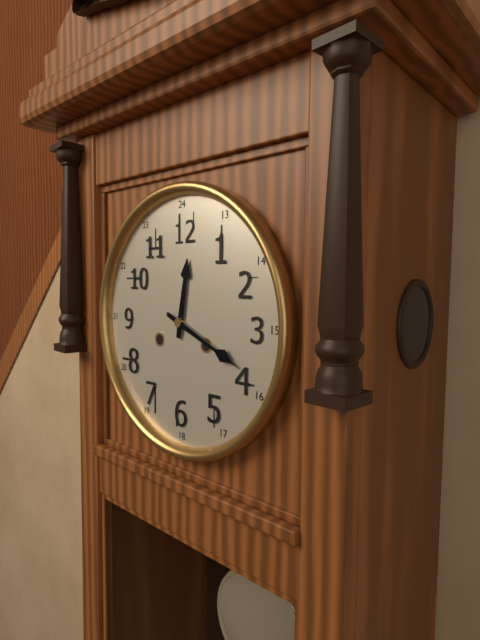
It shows 12,19
